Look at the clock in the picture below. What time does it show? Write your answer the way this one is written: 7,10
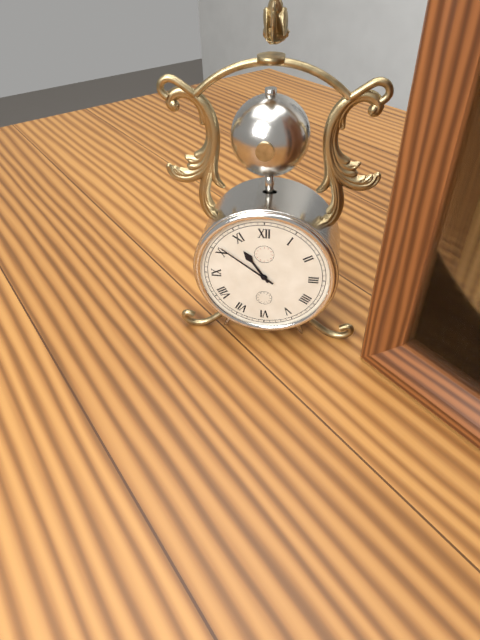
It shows 10,51
